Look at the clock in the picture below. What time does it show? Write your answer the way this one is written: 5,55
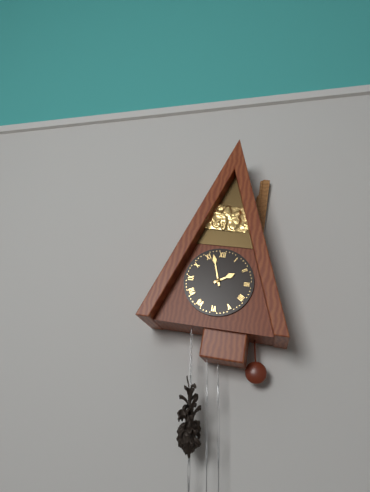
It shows 1,57
